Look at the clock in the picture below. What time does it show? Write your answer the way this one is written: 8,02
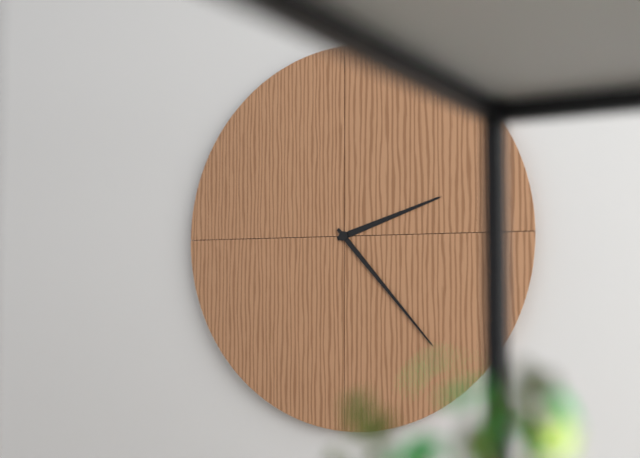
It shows 2,23
